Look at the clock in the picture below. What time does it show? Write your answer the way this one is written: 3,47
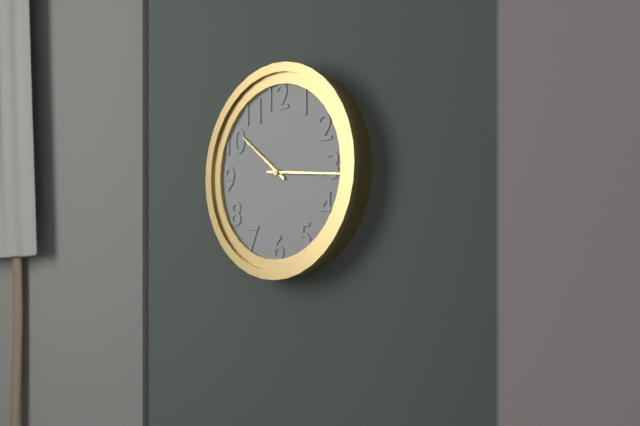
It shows 10,16
